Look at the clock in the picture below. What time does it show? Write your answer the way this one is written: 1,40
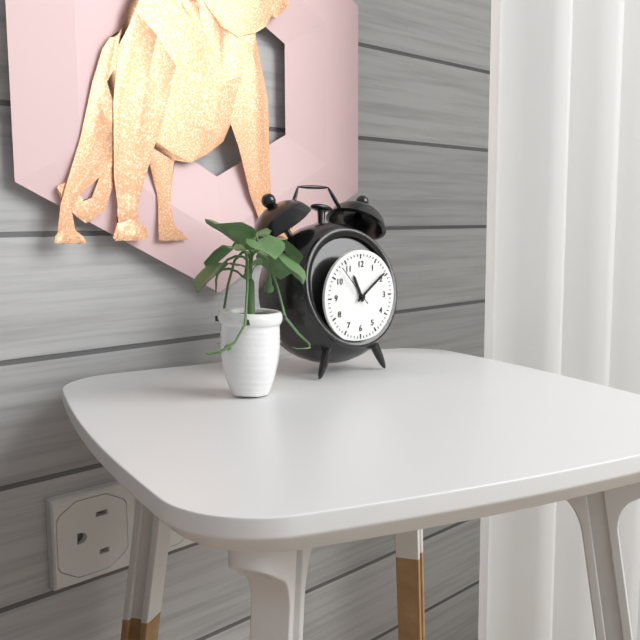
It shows 11,09
